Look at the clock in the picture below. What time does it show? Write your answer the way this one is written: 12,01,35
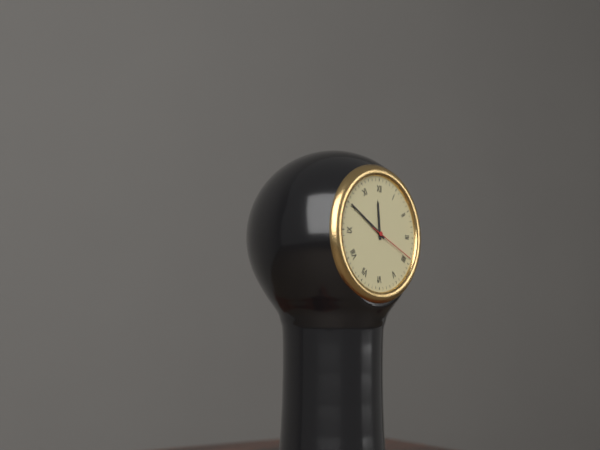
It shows 11,50,19
